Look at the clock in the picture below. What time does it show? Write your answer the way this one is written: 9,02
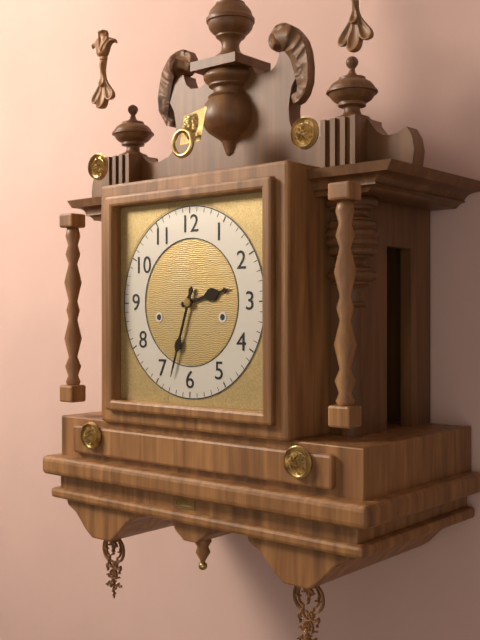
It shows 2,33
